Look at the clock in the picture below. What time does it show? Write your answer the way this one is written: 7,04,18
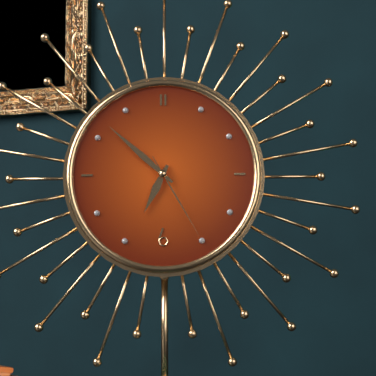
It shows 6,52,25
